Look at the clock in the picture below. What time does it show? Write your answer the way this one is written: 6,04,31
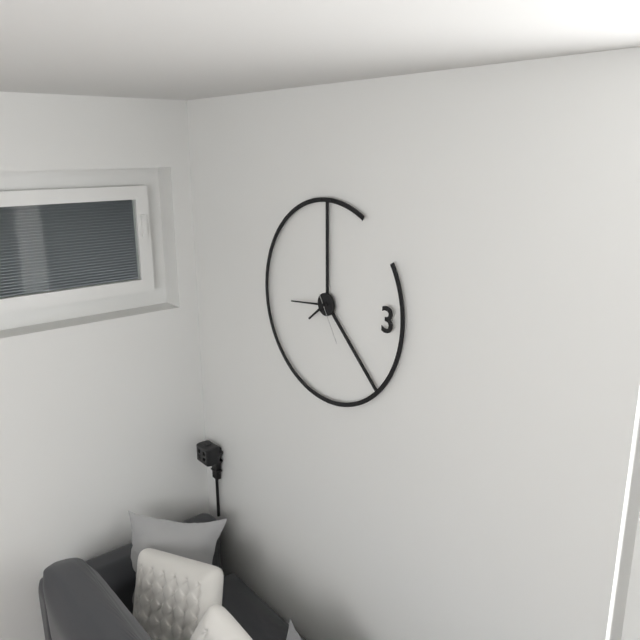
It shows 7,44,25
